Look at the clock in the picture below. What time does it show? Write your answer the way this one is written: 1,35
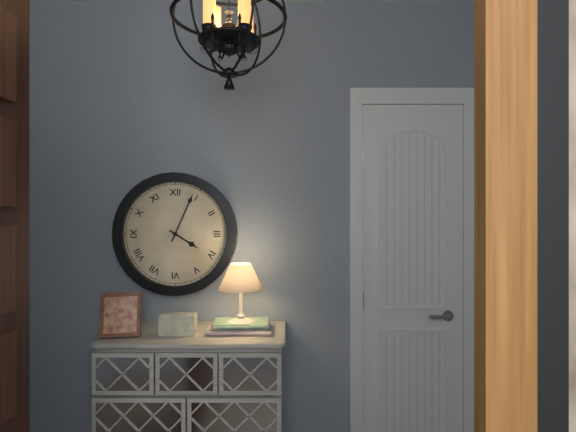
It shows 4,04
